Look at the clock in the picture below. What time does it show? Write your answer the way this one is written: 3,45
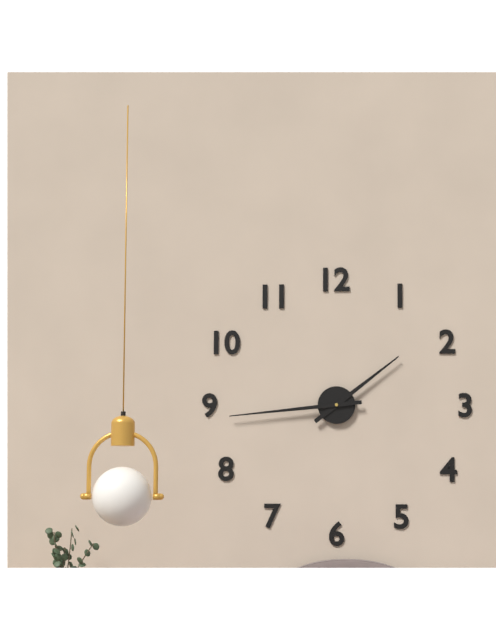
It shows 1,44
